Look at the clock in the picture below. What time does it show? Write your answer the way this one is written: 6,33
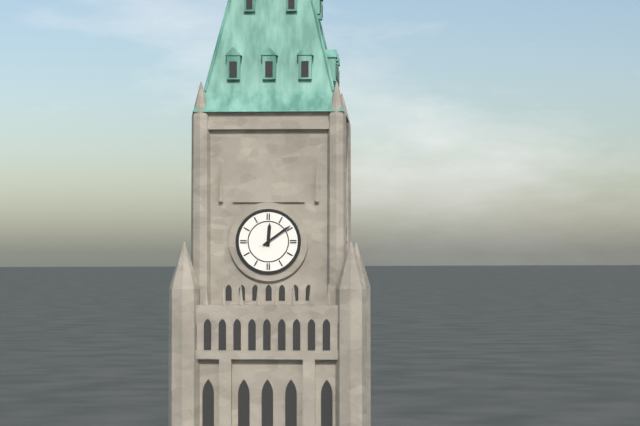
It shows 12,09
